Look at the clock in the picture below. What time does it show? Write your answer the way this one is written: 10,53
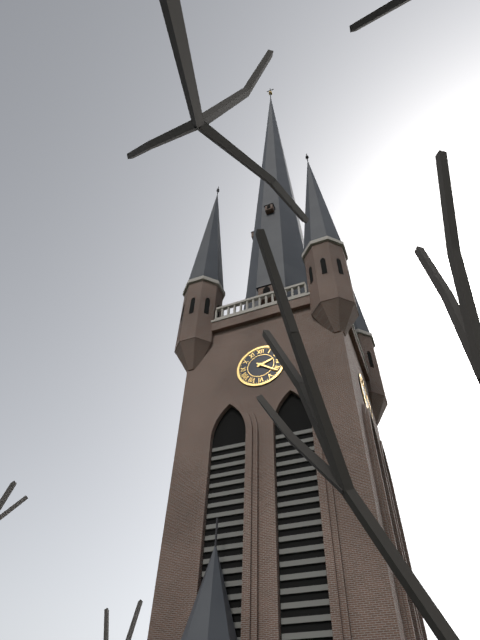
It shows 2,21
